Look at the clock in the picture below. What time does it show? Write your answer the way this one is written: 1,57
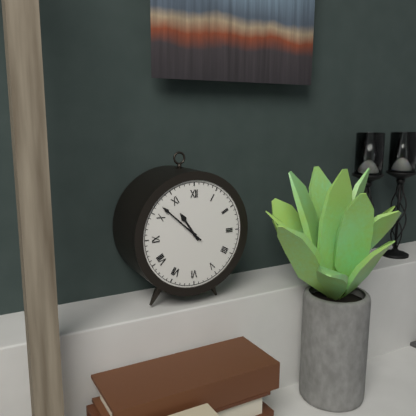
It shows 10,52
